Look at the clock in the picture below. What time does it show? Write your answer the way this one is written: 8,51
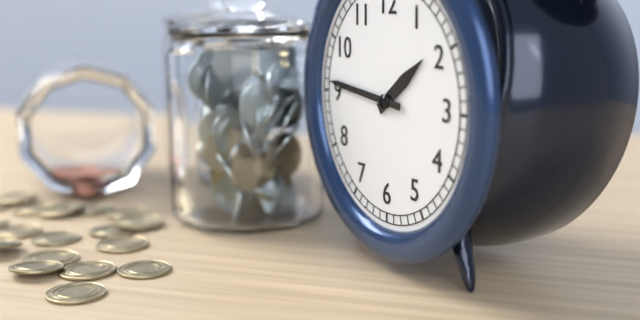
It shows 1,46
